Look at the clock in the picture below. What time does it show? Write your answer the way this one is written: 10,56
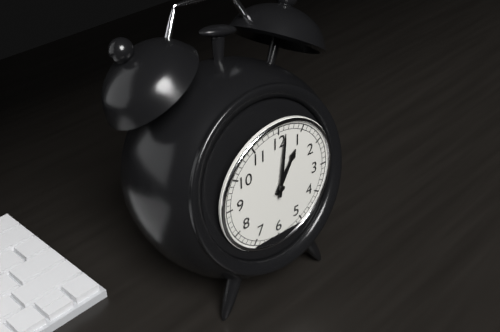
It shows 1,01
